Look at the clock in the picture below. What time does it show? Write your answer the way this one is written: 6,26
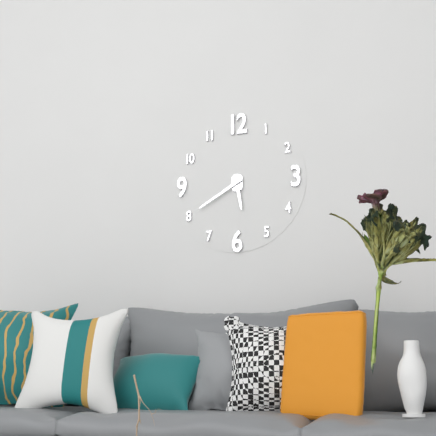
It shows 5,40
